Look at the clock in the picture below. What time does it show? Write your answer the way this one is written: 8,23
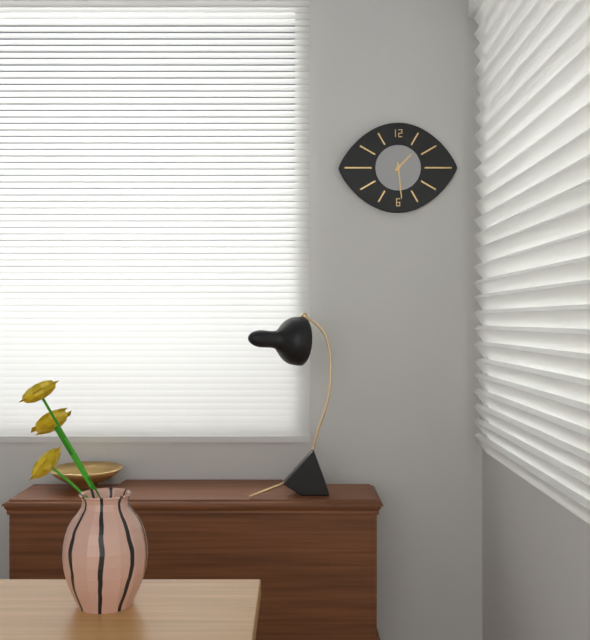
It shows 1,29
